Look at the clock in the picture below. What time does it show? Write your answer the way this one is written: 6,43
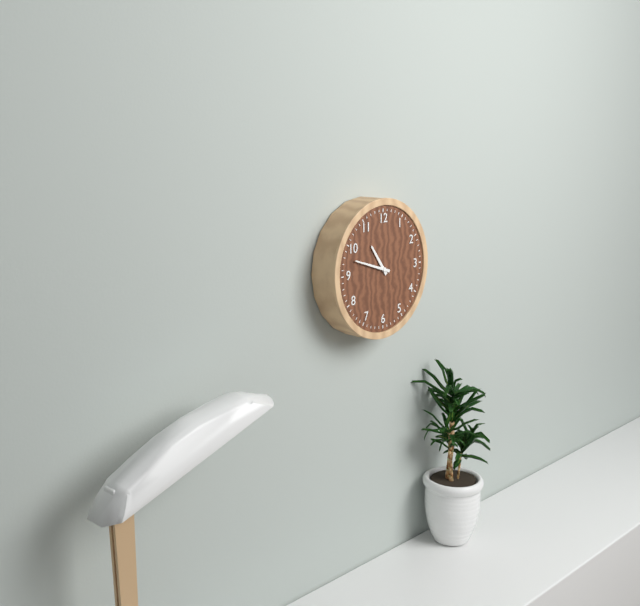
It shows 10,48
